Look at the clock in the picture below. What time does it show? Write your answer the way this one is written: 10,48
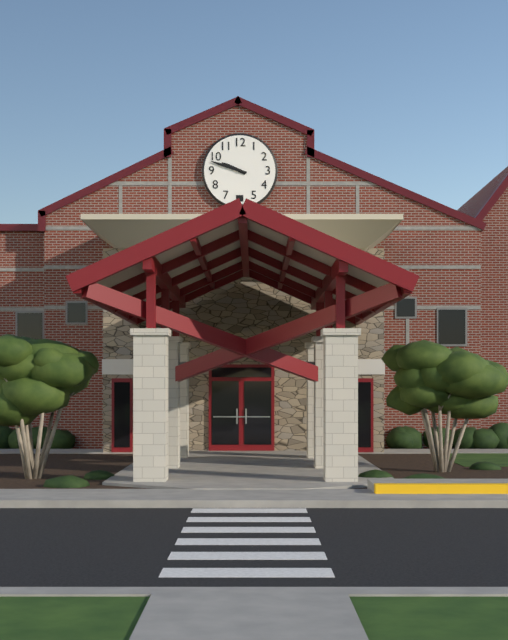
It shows 9,48
